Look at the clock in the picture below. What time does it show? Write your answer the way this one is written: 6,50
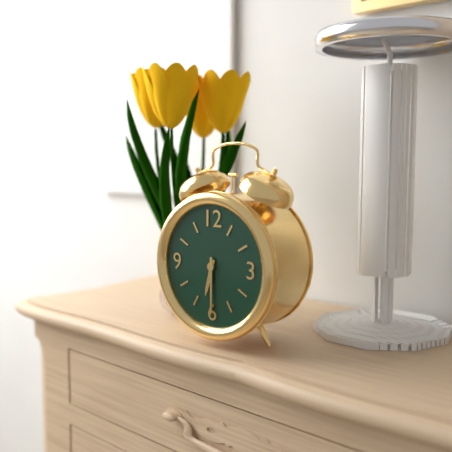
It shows 6,30
